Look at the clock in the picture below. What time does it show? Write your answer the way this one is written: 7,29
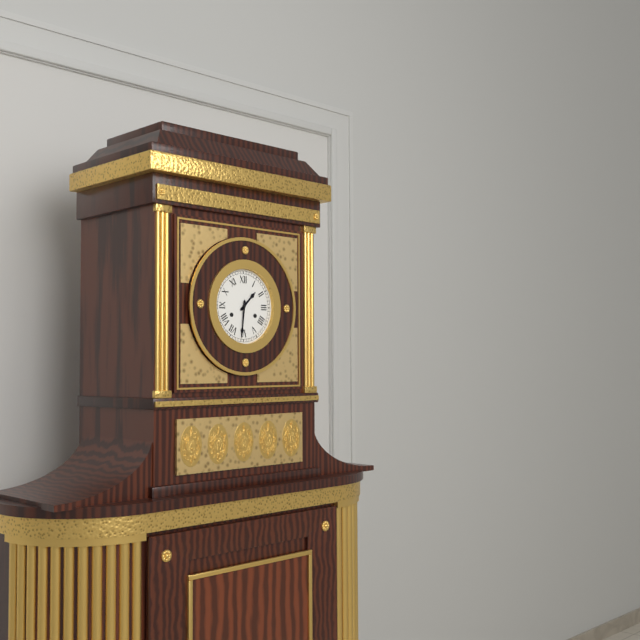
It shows 1,31
